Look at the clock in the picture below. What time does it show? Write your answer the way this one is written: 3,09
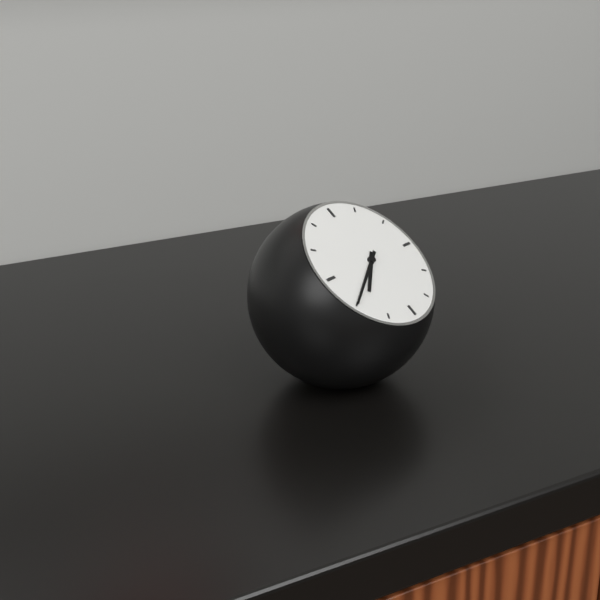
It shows 7,40
